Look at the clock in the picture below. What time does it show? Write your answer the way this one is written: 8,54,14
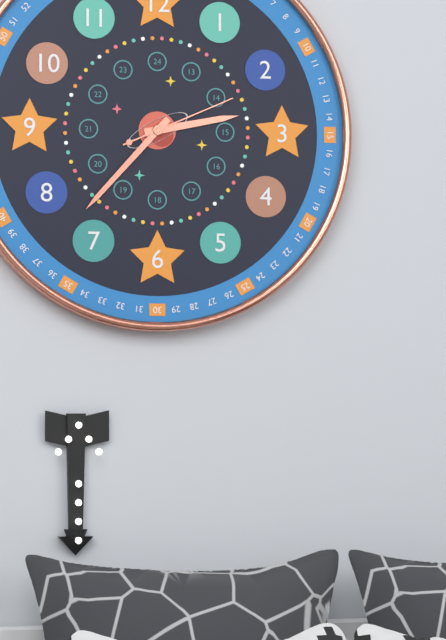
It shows 2,37,11
